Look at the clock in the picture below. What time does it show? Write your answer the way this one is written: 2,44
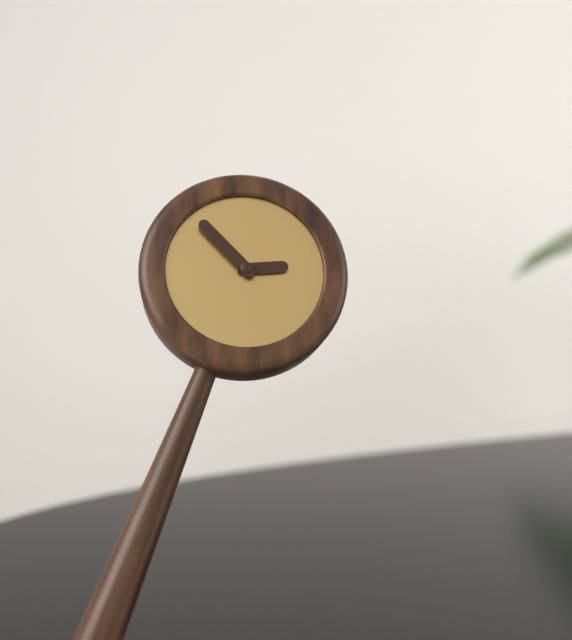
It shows 2,53
